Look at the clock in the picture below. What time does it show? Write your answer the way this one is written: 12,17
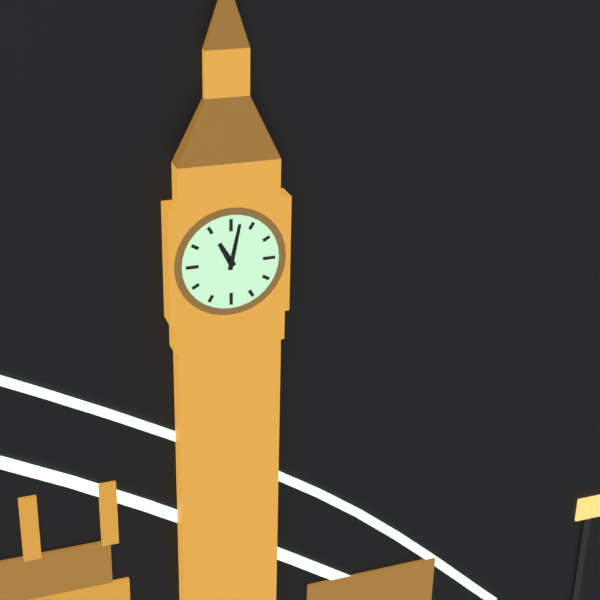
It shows 11,02
